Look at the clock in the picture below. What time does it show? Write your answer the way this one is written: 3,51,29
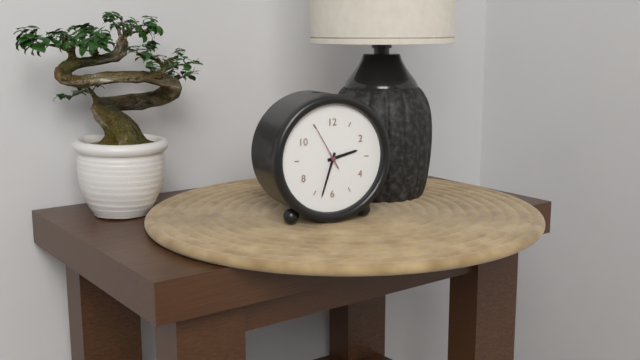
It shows 2,33,55
